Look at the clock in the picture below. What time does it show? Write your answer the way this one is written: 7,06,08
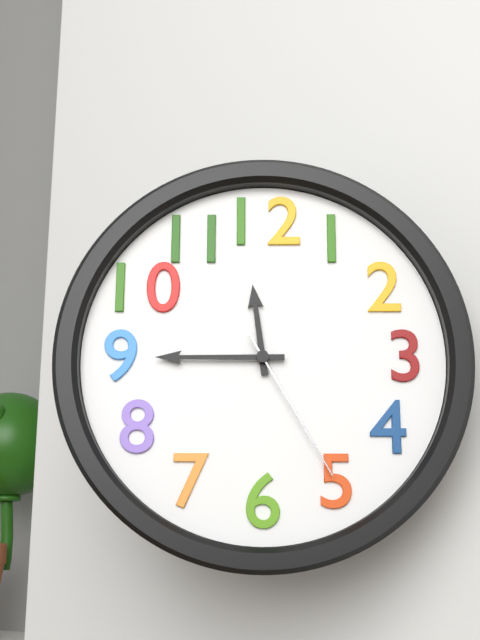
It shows 11,45,25
